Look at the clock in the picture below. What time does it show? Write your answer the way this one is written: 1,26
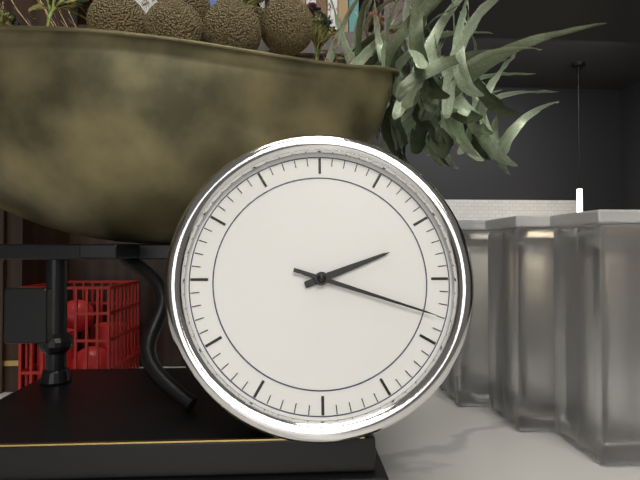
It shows 2,18
